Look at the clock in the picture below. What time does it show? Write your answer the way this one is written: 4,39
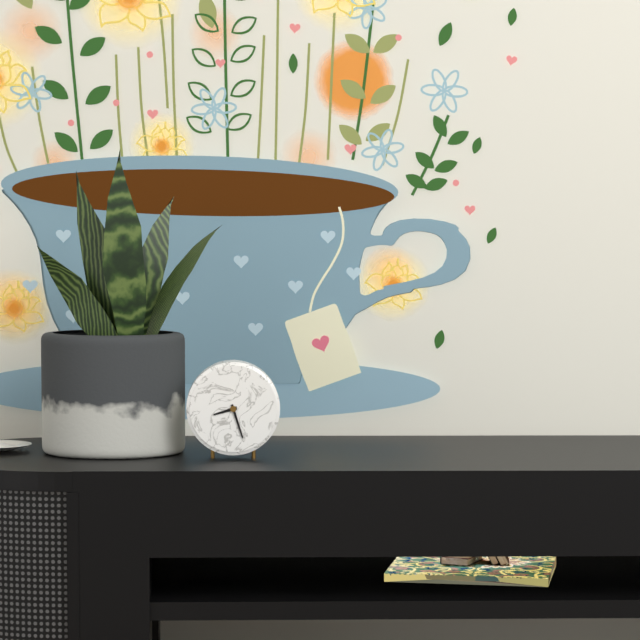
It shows 8,27
